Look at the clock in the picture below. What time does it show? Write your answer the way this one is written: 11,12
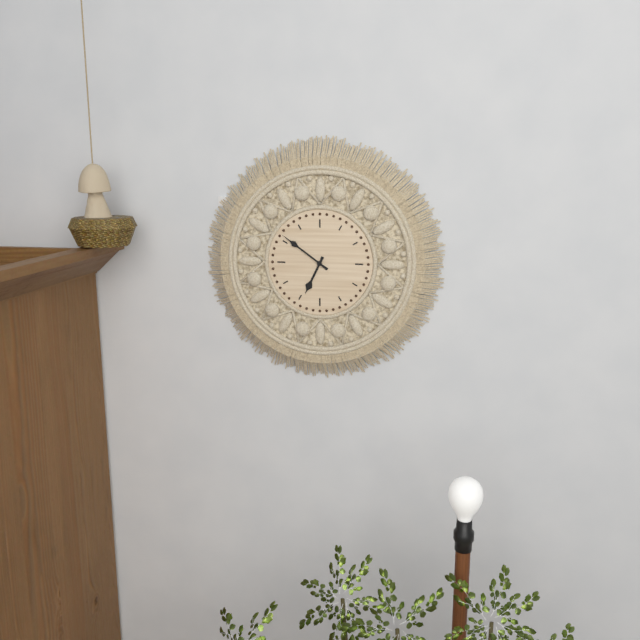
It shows 6,51
